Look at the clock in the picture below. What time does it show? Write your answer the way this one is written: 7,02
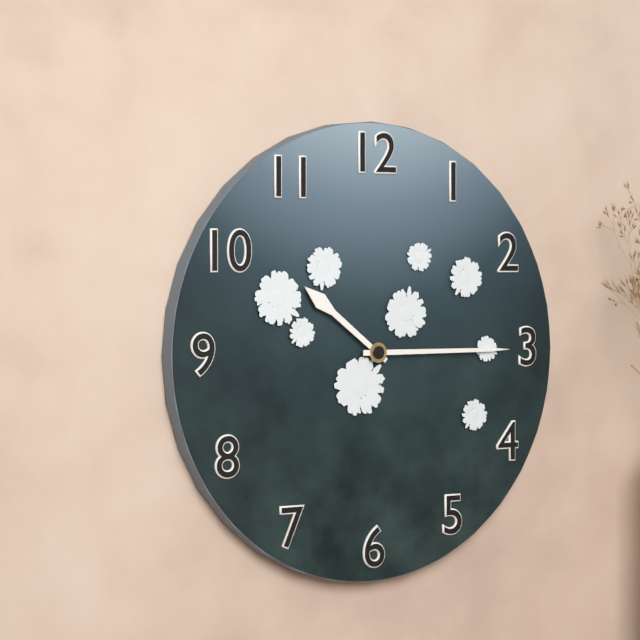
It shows 10,15
